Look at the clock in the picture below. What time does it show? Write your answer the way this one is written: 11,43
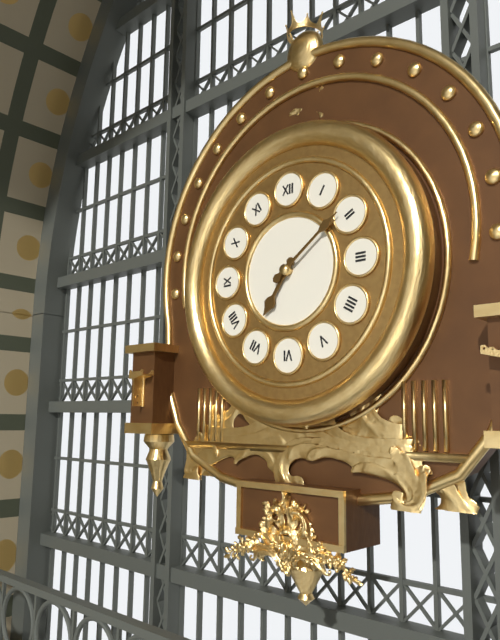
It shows 7,09
